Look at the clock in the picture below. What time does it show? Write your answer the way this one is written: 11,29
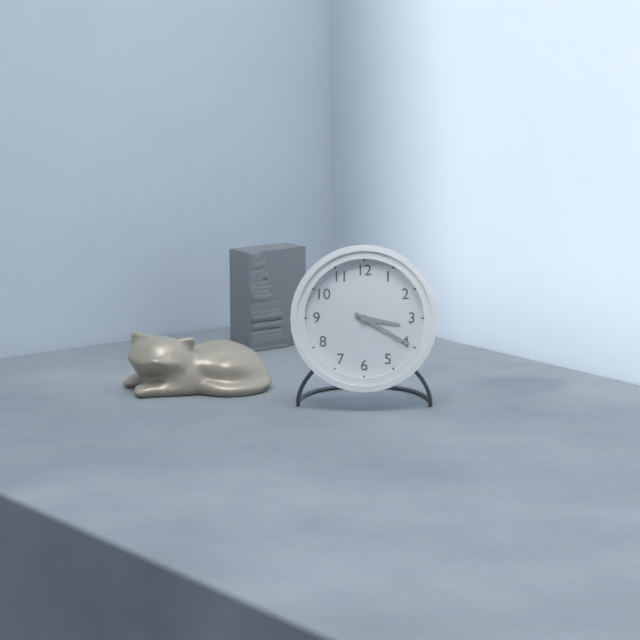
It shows 3,20
